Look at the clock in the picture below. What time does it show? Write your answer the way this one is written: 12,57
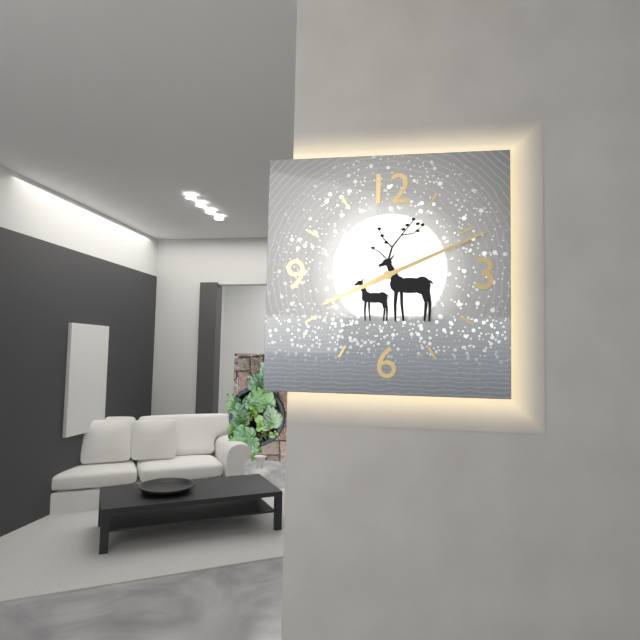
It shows 8,11
